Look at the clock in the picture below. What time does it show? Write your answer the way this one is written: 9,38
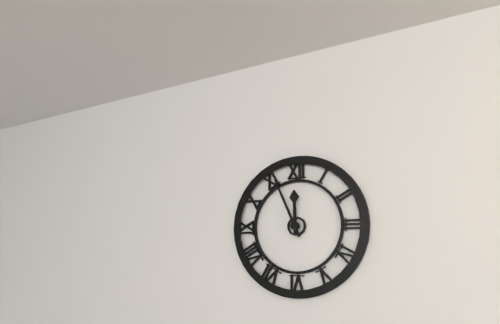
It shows 11,56
